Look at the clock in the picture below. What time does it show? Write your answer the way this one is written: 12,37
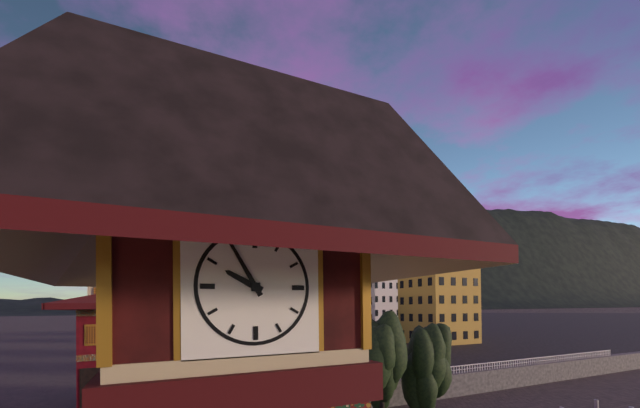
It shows 9,55
